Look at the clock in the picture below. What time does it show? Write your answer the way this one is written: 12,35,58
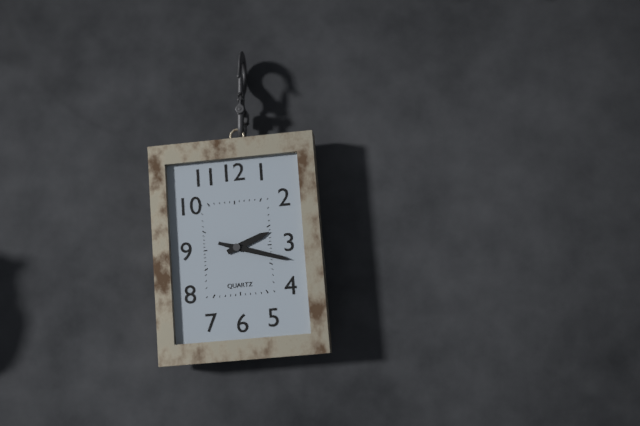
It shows 2,18,18
